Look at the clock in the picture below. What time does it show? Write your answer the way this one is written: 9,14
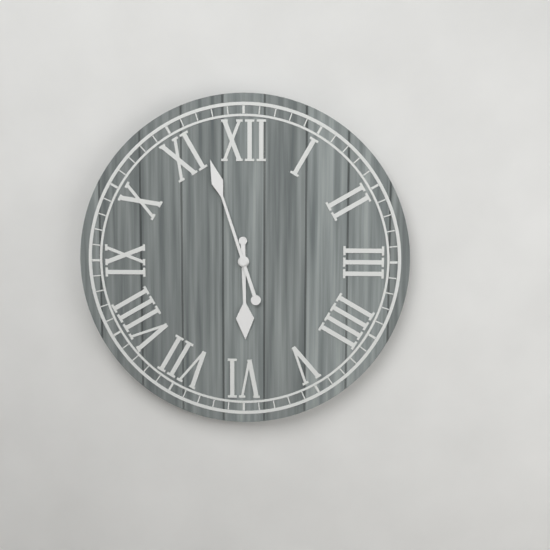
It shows 5,57
